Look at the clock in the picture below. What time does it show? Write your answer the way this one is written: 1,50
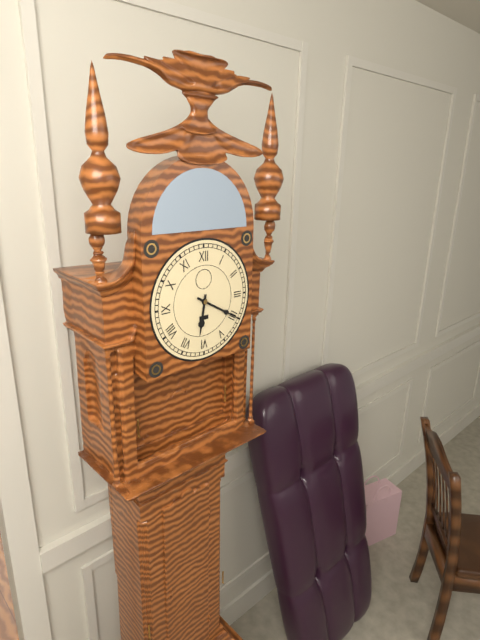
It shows 6,20
